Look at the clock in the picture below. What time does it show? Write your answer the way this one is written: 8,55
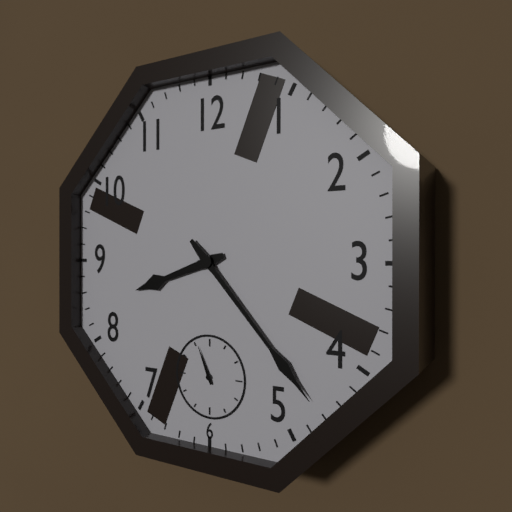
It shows 8,23
